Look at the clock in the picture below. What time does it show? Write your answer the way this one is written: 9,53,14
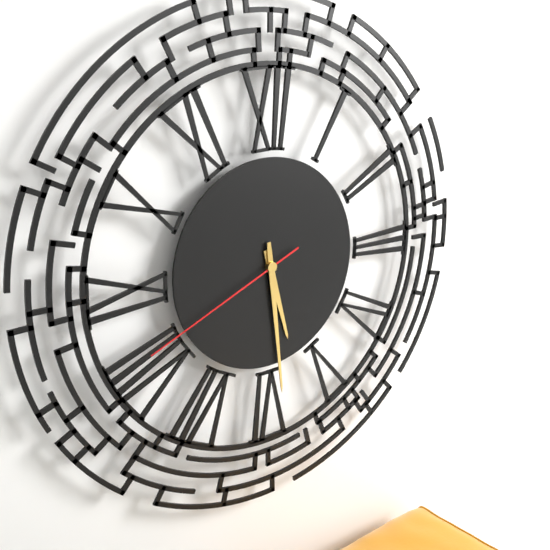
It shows 5,29,41
